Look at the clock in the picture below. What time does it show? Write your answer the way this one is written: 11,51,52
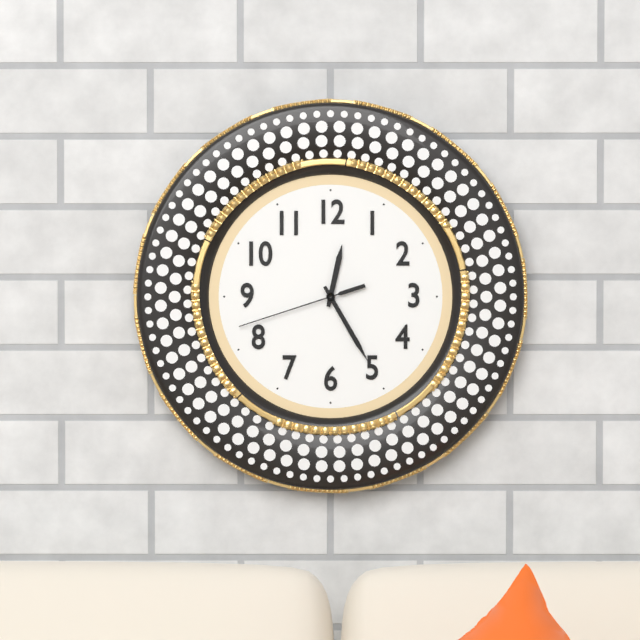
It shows 12,25,42
